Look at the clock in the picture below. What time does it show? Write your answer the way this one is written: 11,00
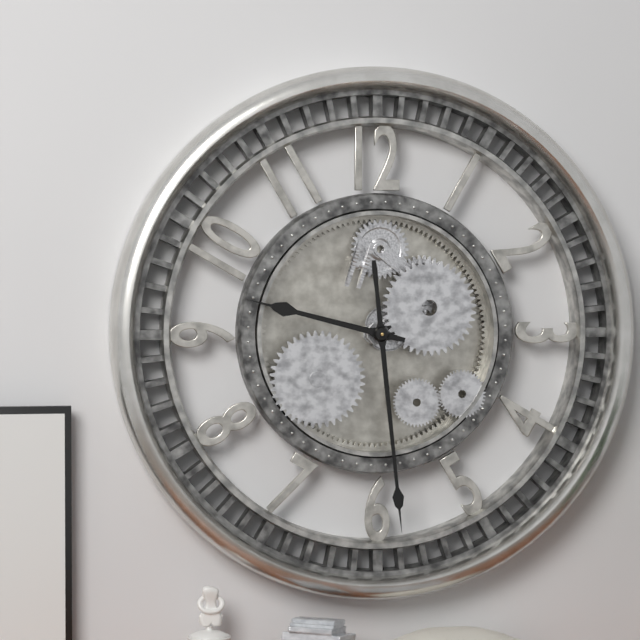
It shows 9,29
